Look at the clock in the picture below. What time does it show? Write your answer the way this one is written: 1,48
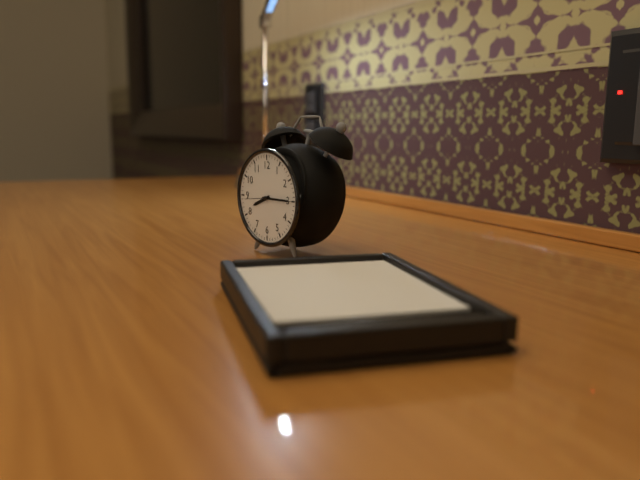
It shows 8,15
